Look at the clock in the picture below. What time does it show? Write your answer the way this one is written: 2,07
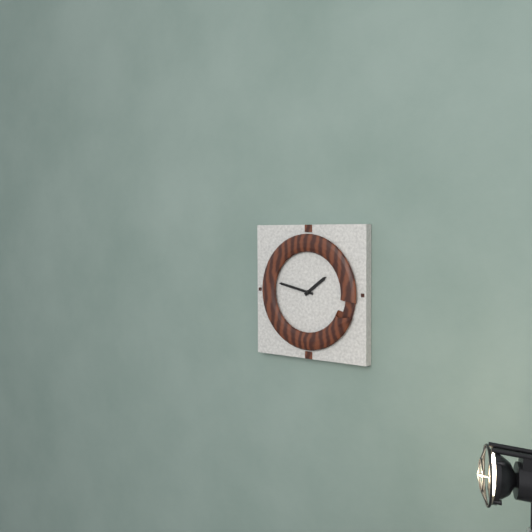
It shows 1,47
